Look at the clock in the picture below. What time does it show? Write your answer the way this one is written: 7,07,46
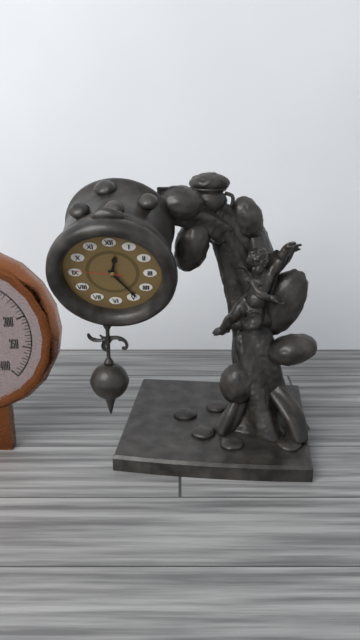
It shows 12,24,46
